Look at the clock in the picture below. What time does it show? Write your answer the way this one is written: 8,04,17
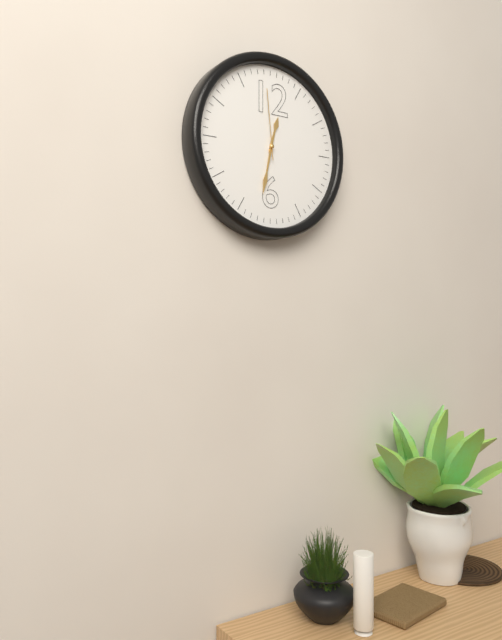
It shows 12,32,59
